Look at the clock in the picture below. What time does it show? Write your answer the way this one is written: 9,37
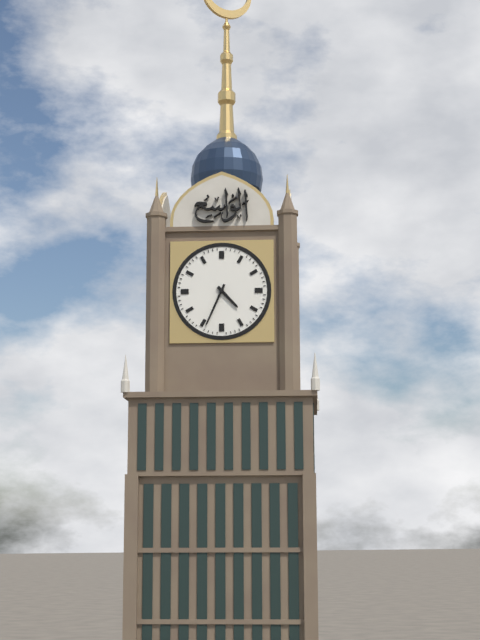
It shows 4,34
